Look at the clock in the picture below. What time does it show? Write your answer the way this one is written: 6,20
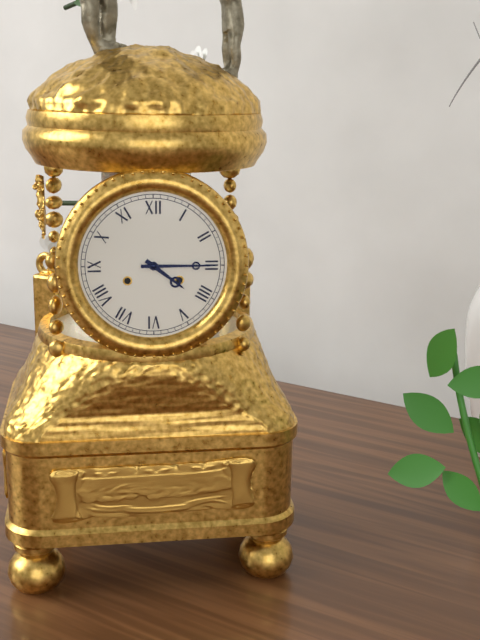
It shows 4,15
